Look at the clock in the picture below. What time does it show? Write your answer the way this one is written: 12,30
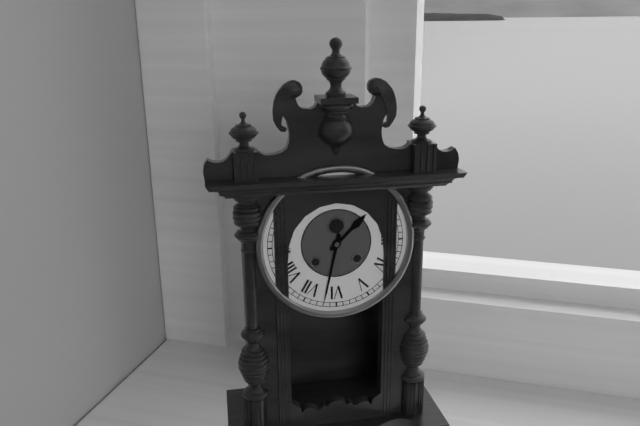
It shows 1,32
